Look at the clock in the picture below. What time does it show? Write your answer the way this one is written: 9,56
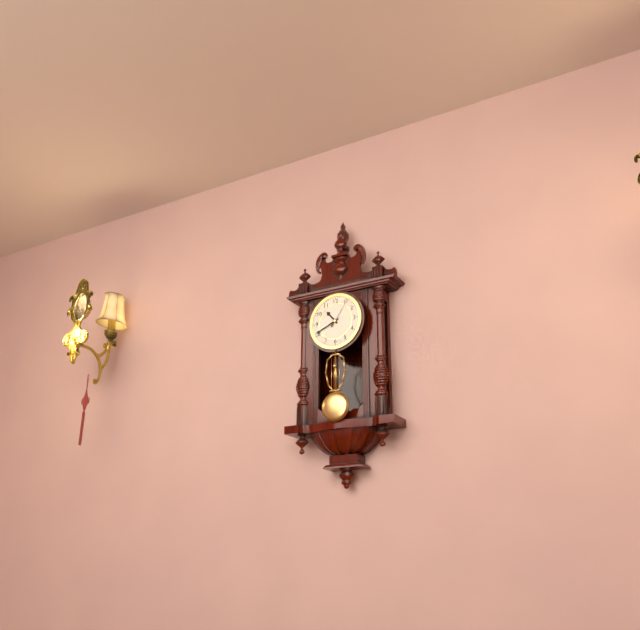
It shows 10,41
